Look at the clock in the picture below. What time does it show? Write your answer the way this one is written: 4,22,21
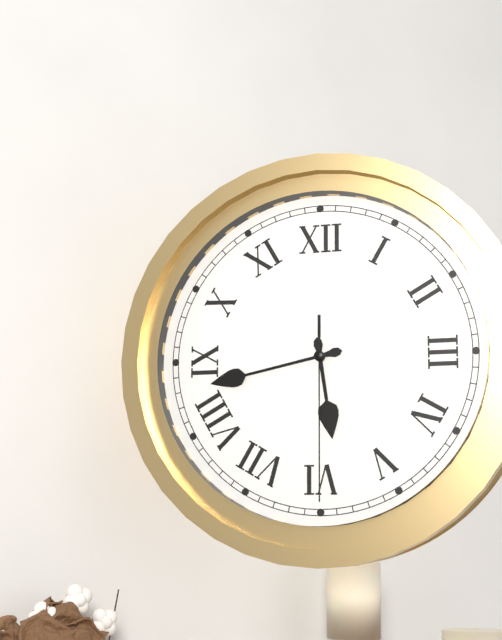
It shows 5,43,30
